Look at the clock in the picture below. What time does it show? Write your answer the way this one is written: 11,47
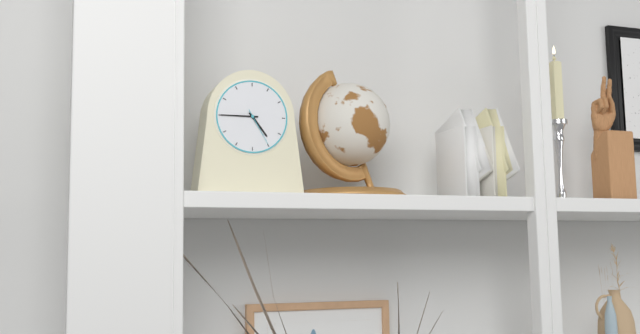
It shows 4,45
